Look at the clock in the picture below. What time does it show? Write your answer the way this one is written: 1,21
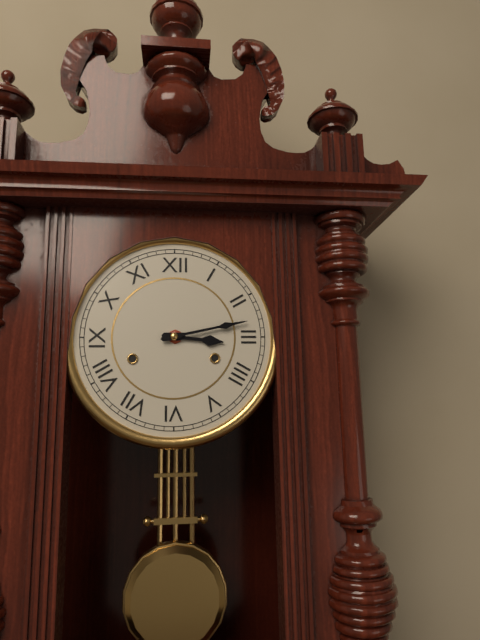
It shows 3,13
